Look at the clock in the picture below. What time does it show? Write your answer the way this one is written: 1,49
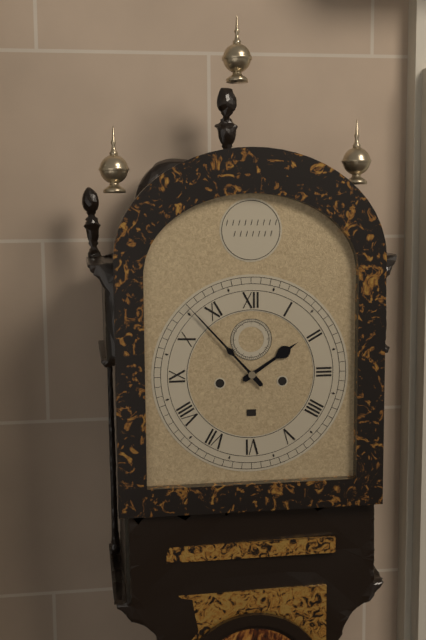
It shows 1,53
